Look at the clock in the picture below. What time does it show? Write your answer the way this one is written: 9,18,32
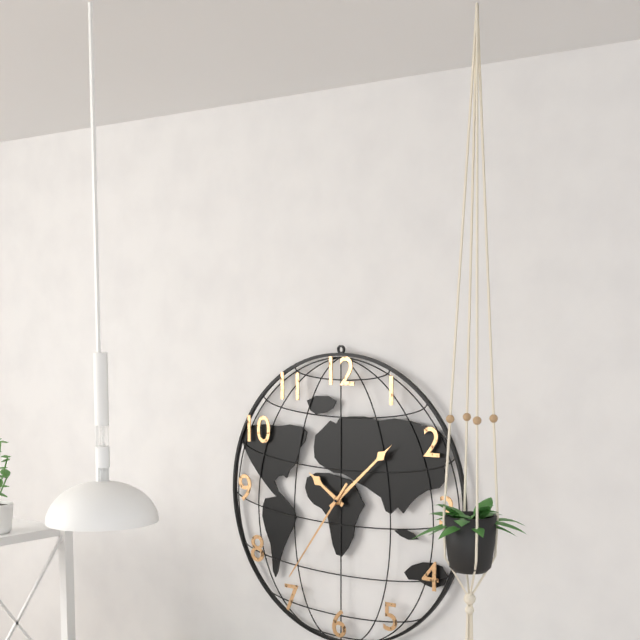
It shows 10,08,36
